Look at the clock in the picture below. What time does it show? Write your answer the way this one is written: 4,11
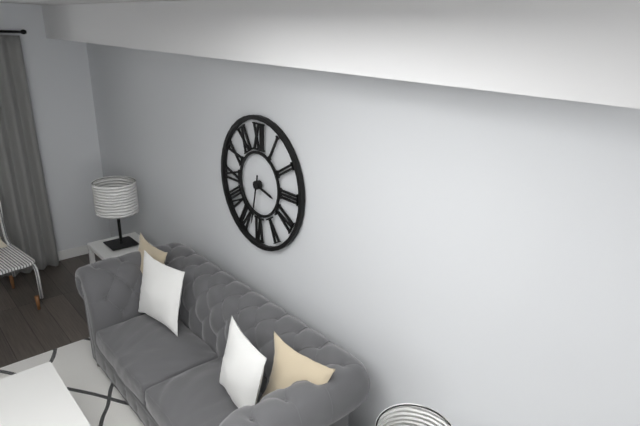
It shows 3,32
